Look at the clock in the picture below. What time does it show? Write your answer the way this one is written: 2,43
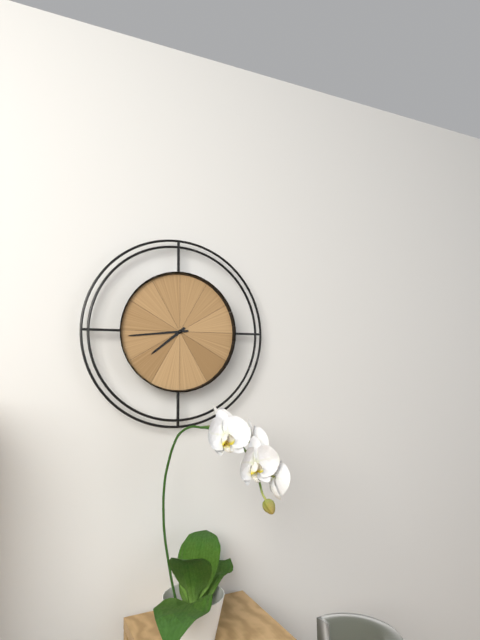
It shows 7,44
